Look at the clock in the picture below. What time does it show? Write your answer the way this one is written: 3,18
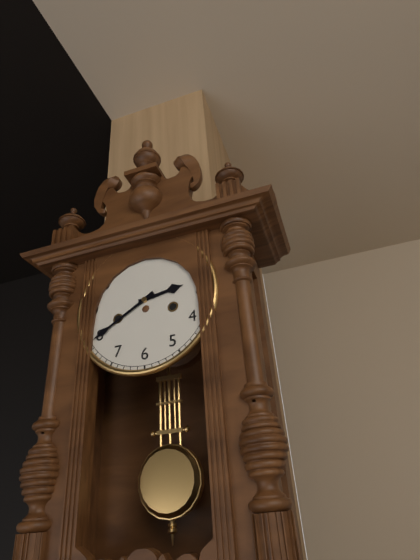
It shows 2,40
